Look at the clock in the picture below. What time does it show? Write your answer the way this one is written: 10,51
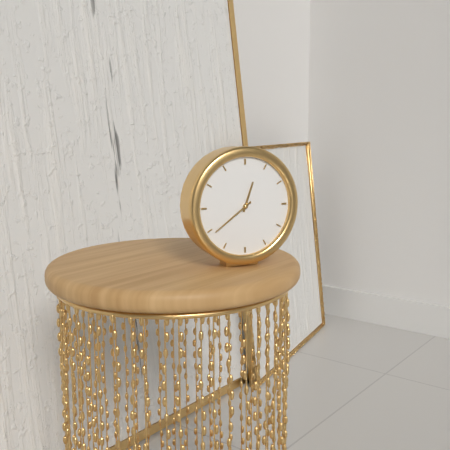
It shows 12,39
